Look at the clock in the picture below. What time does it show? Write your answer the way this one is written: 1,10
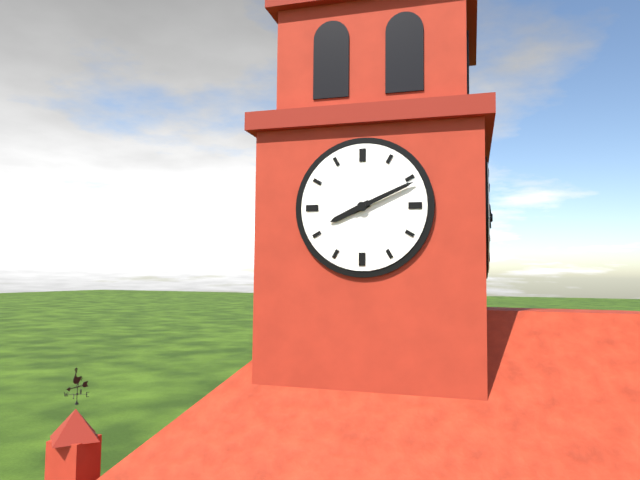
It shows 8,11
